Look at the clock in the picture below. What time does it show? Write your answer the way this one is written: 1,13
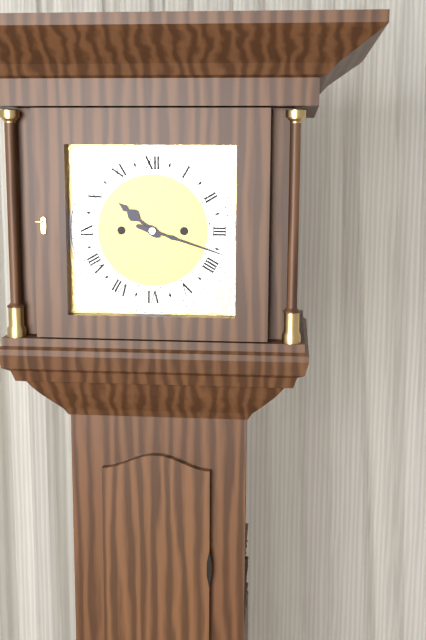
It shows 10,18
